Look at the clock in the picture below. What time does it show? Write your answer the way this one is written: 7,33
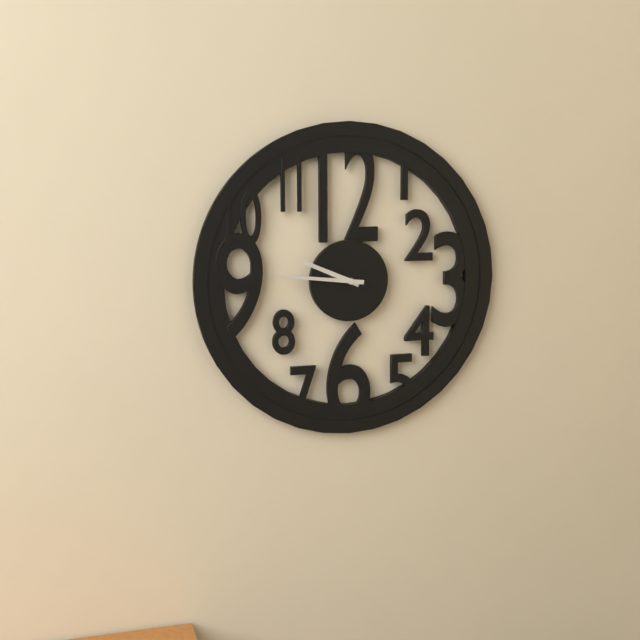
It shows 9,46
